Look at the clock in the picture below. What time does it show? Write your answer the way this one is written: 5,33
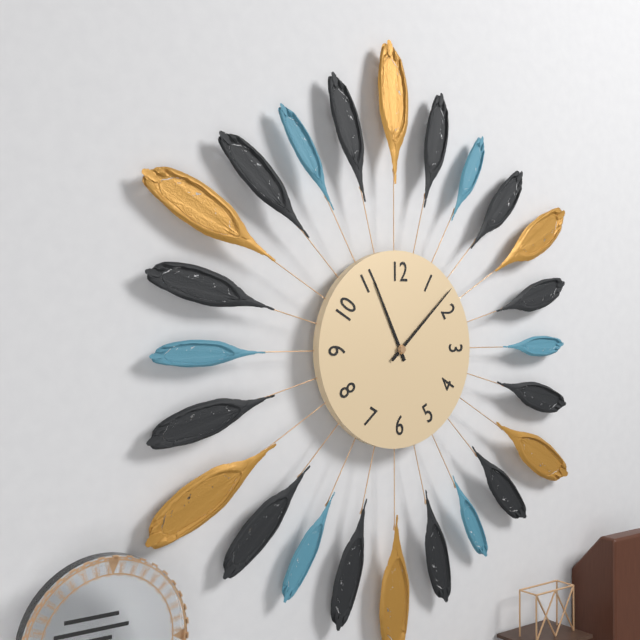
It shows 11,08
